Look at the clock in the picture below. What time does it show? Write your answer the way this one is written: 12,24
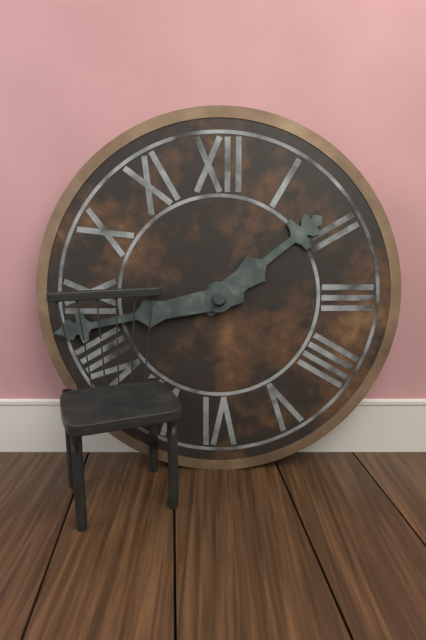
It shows 1,43
